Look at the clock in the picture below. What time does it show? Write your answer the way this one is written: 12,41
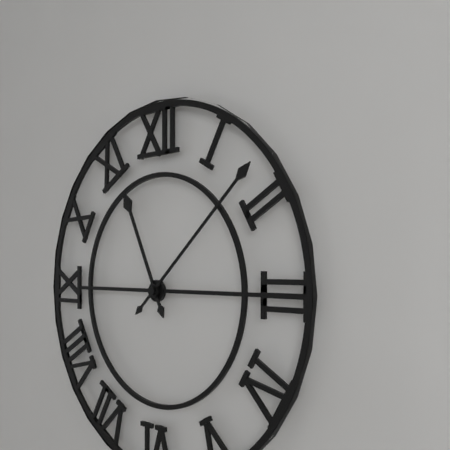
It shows 11,08
